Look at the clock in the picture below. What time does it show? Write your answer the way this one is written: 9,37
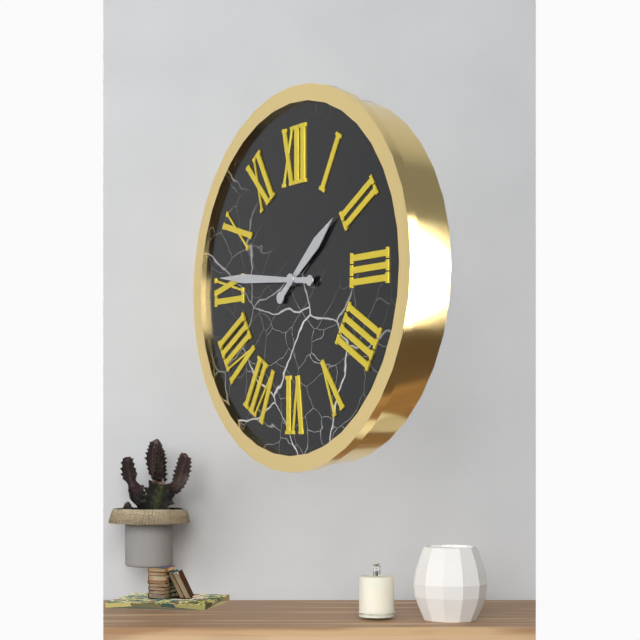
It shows 1,46
